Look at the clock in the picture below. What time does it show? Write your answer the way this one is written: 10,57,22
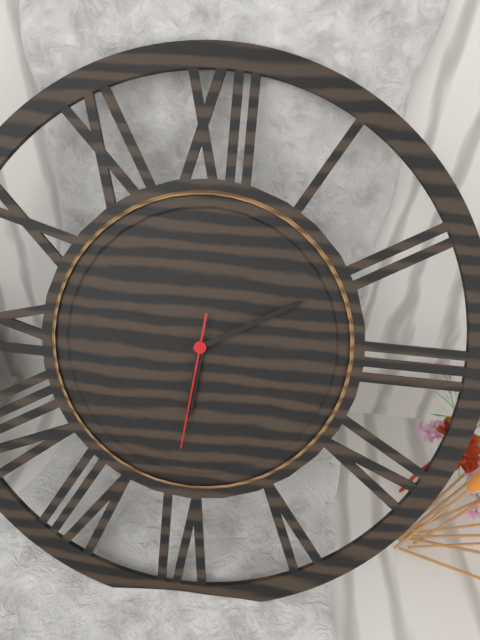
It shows 6,10,31
